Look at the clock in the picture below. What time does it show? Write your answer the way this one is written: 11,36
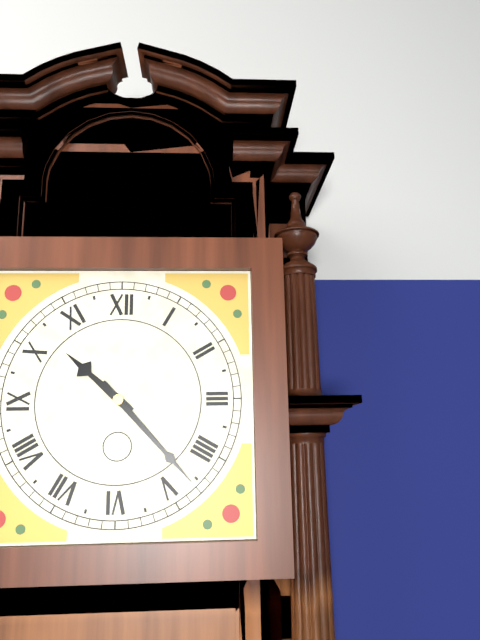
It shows 10,23
